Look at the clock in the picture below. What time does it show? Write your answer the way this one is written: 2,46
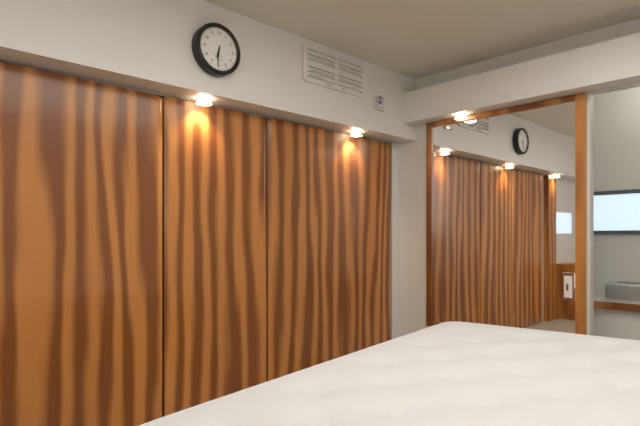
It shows 6,31
